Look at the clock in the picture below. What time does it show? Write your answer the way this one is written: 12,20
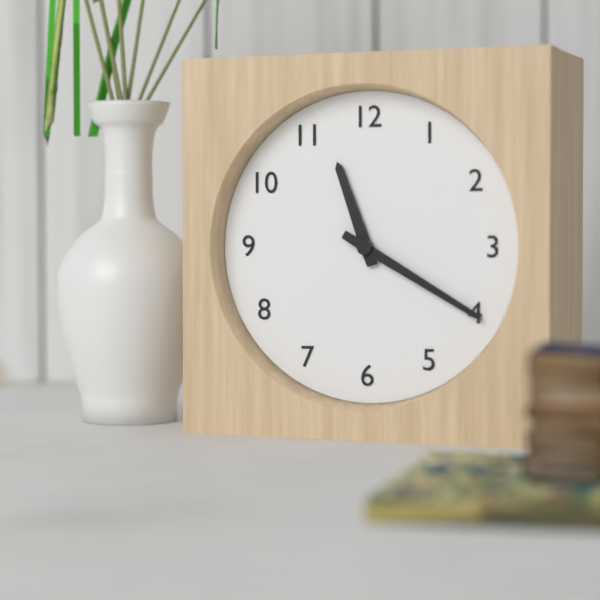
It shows 11,20
